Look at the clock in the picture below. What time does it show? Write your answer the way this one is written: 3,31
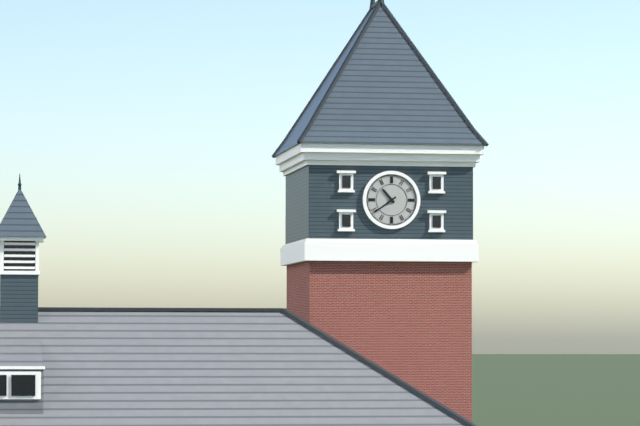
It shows 10,39
